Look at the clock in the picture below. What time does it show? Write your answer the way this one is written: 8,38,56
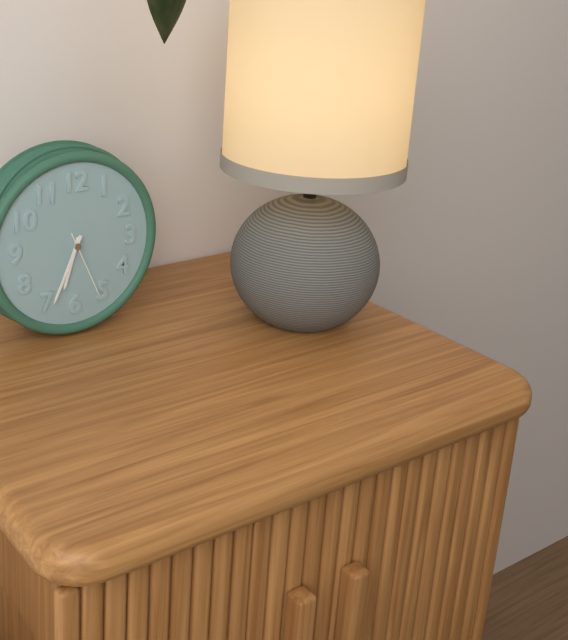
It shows 6,34,26
